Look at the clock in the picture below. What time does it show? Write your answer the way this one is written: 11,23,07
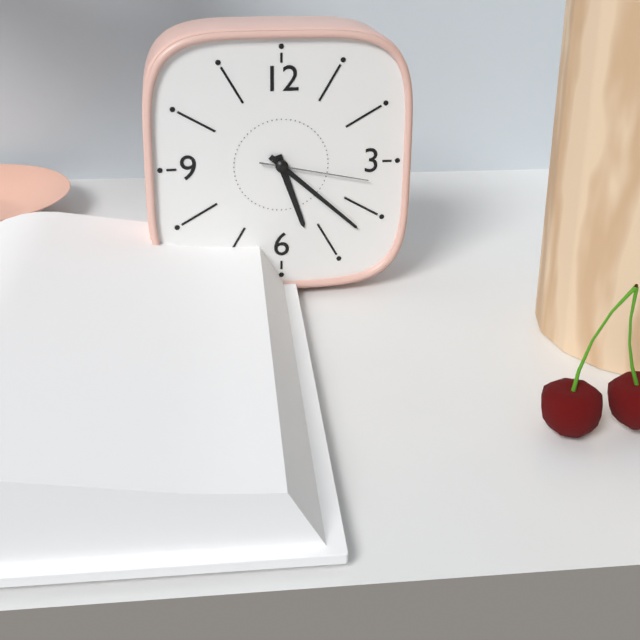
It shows 5,22,17
